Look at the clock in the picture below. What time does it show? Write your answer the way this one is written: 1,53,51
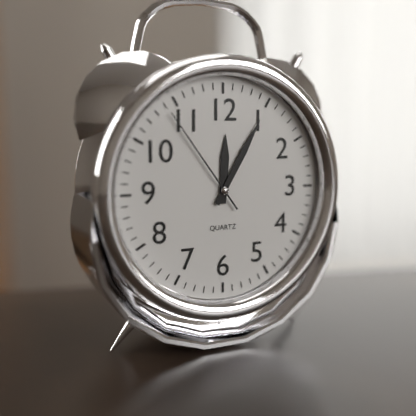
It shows 12,05,54
